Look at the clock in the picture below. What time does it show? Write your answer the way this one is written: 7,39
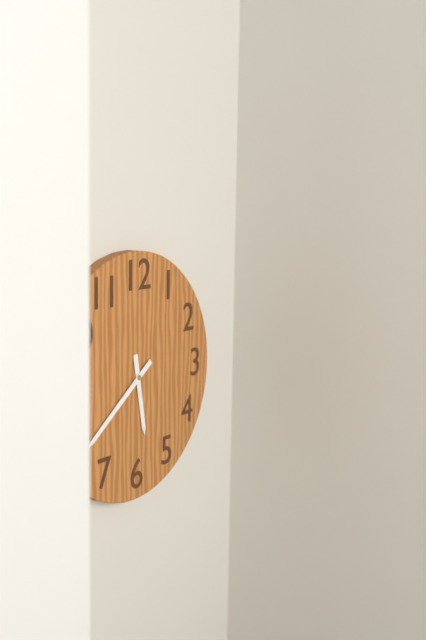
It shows 5,39
